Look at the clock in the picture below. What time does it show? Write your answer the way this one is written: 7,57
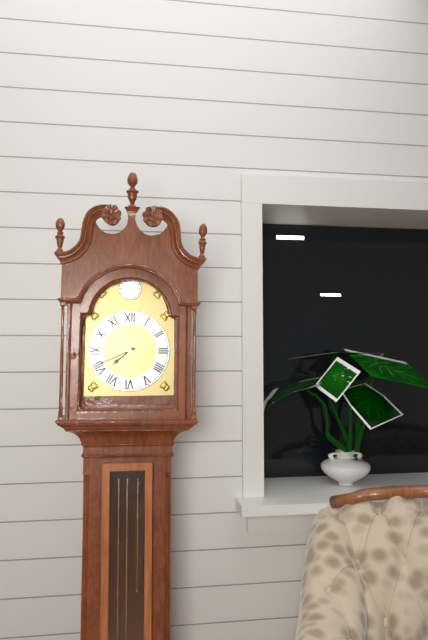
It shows 7,41
